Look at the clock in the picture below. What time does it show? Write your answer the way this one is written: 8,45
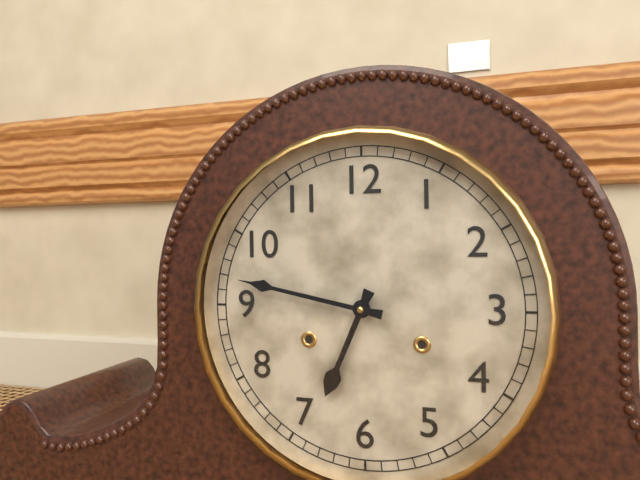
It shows 6,47
